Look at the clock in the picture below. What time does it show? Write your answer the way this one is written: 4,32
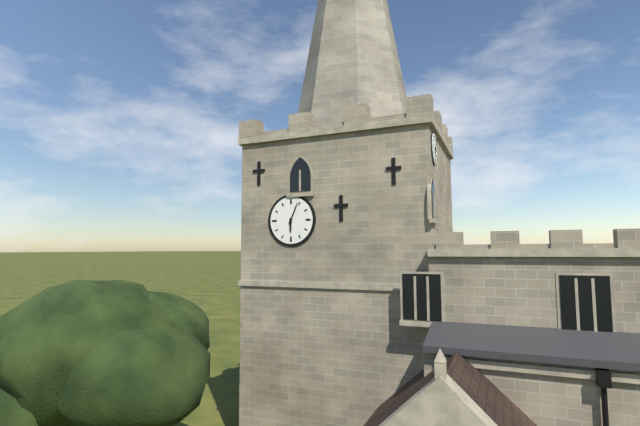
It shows 6,04
